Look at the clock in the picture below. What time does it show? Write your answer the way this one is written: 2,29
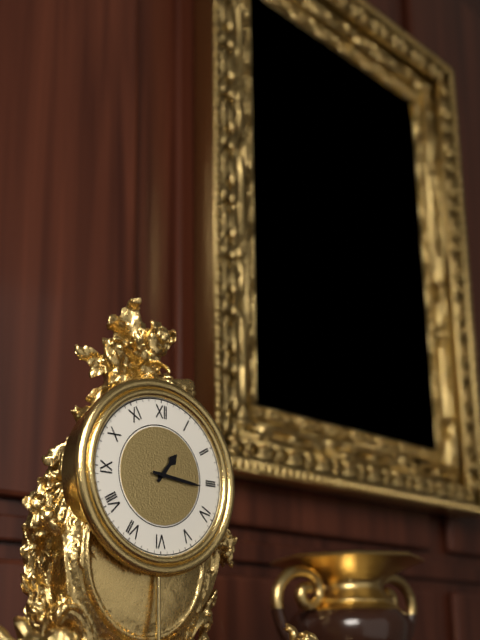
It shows 1,16
